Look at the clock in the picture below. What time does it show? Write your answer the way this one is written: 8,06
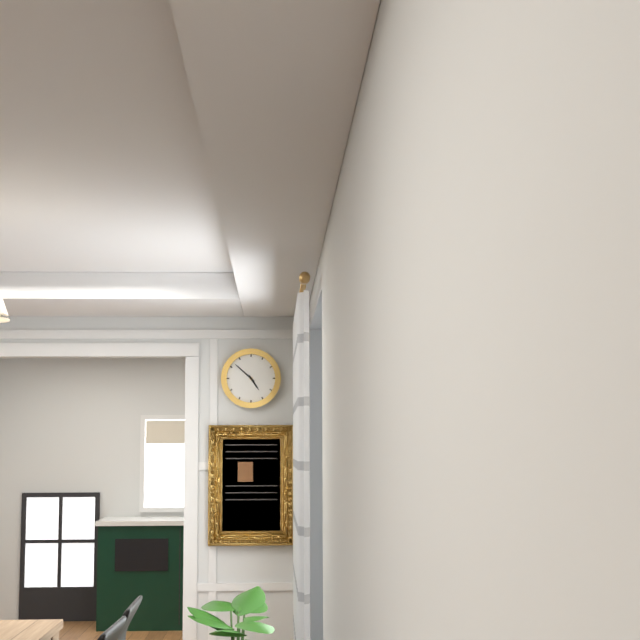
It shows 4,52
